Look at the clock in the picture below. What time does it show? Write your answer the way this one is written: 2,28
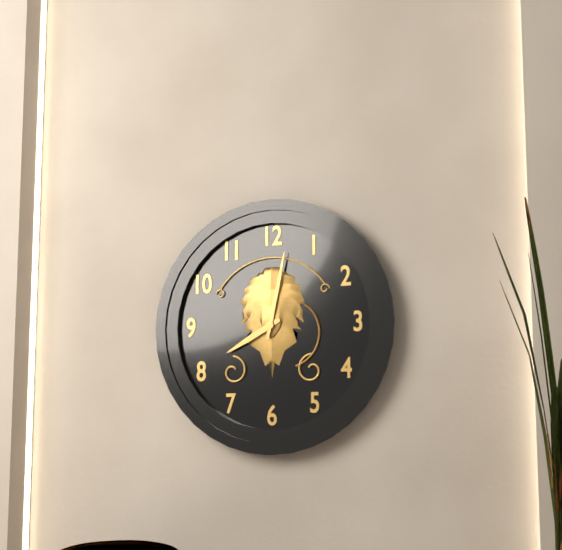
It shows 8,02
